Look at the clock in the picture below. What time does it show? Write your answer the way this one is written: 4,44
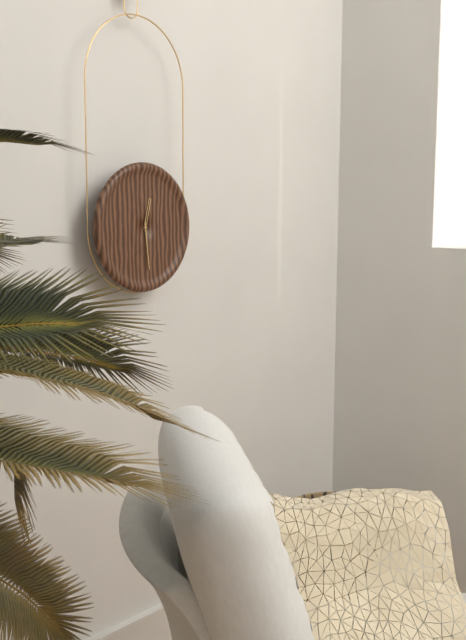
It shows 12,29
